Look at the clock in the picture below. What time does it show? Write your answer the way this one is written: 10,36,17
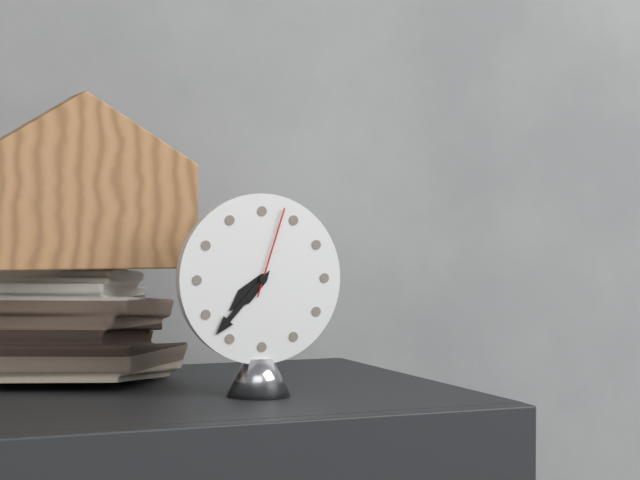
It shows 7,37,03
